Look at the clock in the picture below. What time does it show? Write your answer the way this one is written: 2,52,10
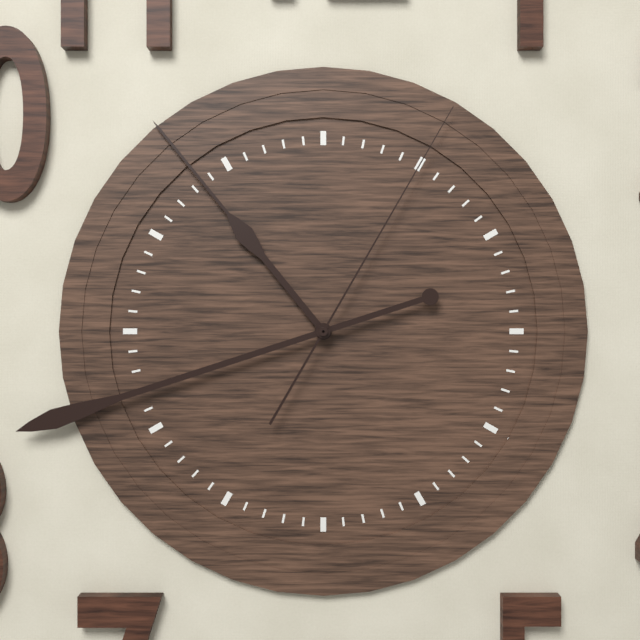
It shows 10,42,05
